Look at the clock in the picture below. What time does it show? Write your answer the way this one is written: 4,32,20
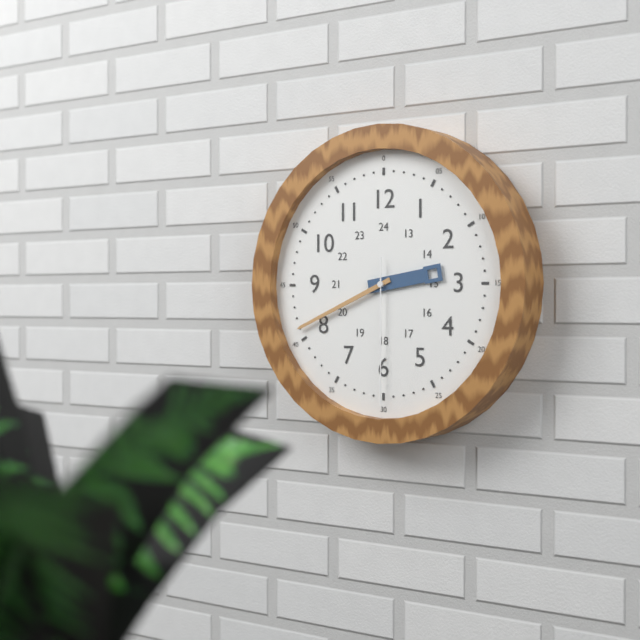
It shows 2,41,30
